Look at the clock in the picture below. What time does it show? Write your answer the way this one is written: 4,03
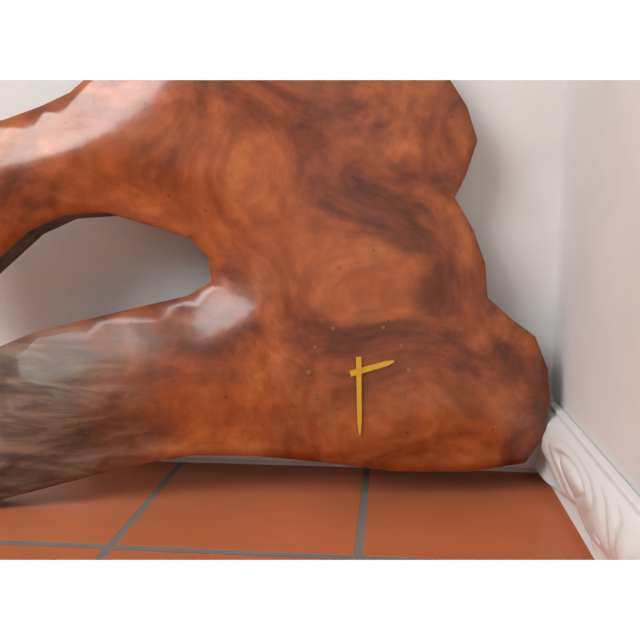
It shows 2,30
